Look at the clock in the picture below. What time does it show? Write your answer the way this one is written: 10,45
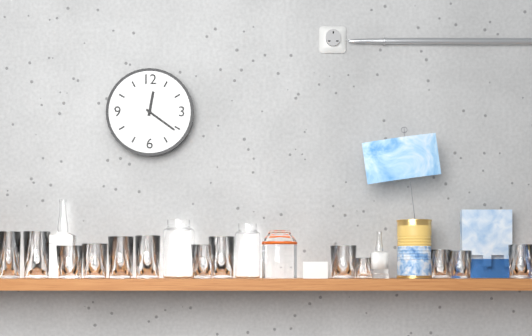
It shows 12,21
